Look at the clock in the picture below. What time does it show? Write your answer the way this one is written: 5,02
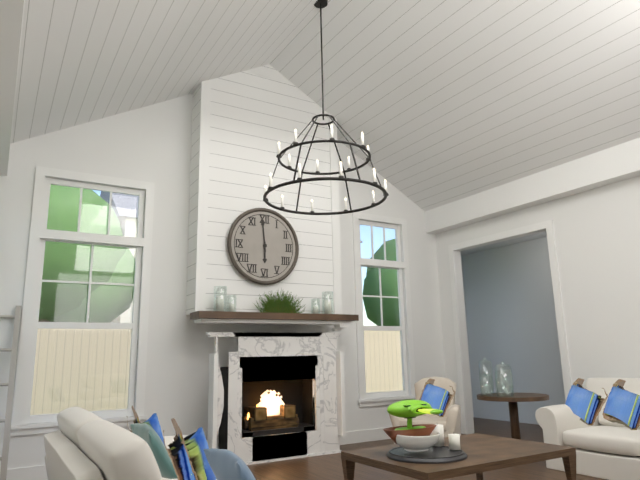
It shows 5,59
